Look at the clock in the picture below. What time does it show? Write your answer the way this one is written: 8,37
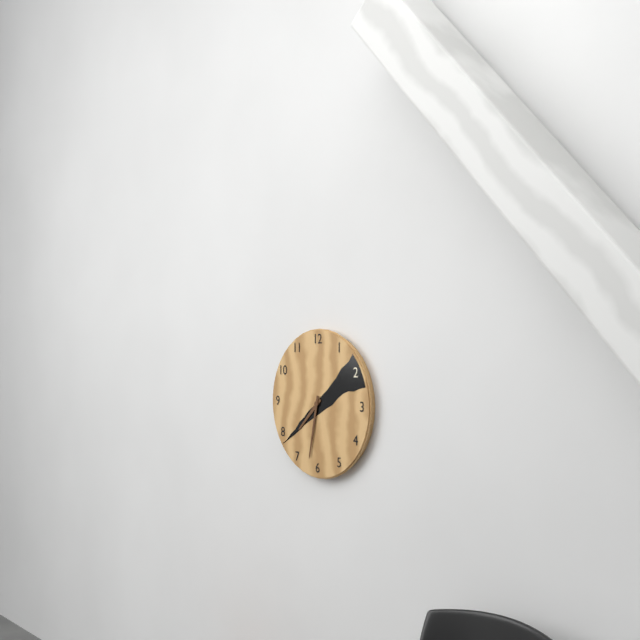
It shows 7,32
